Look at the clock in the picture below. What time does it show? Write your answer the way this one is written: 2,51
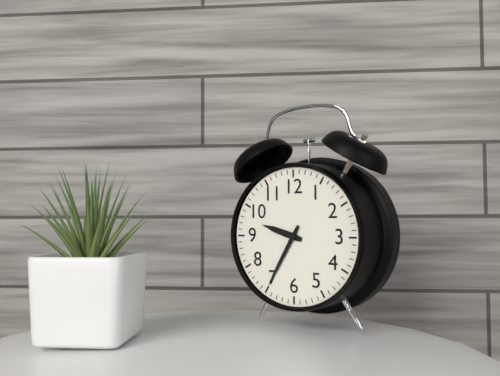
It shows 9,35
